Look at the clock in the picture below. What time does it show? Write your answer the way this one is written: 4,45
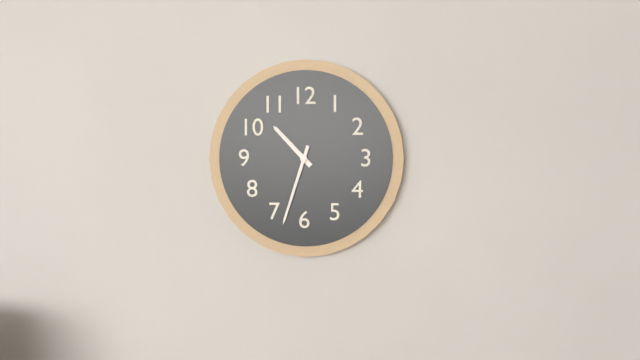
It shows 10,33
